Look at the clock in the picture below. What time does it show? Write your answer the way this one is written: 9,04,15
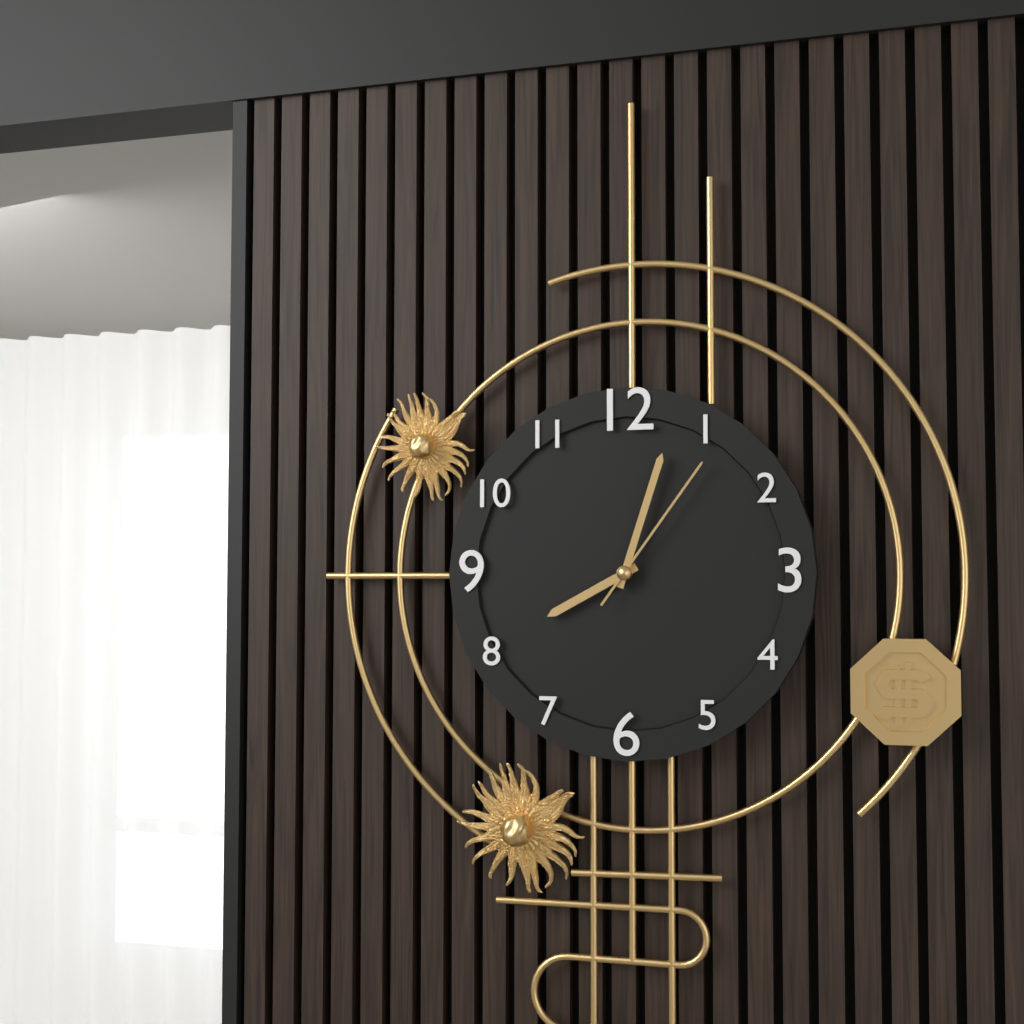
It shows 8,03,06
